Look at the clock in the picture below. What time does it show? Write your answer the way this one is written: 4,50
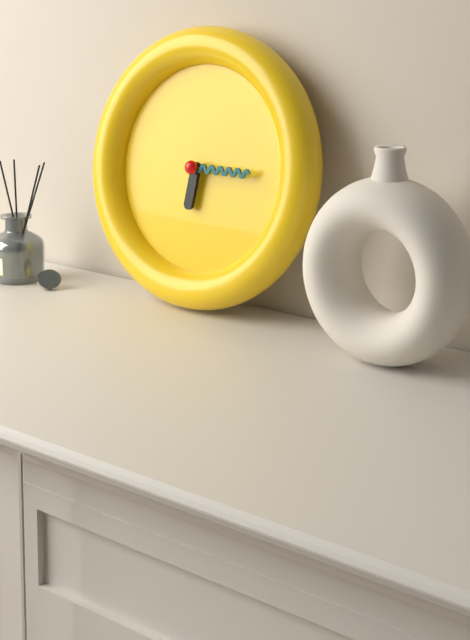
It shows 6,15
